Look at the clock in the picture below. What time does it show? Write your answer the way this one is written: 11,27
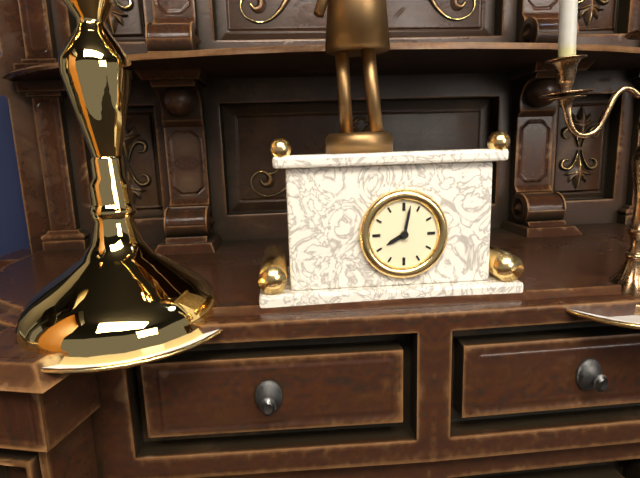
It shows 8,02
